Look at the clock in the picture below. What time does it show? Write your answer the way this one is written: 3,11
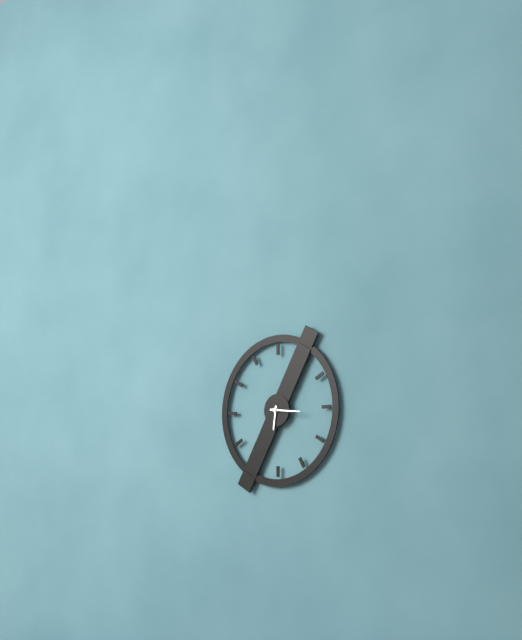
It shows 6,16
